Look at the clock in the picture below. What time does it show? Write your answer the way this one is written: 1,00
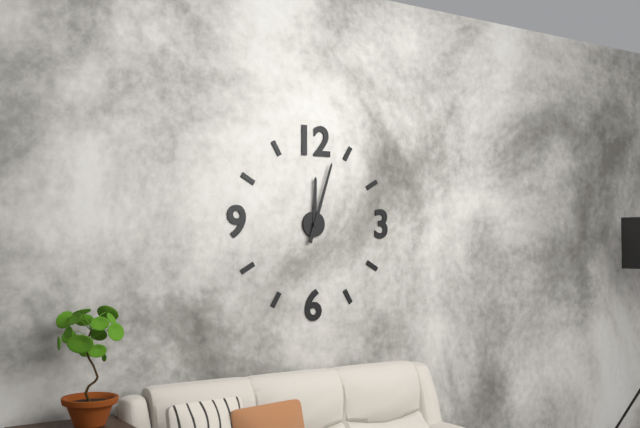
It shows 12,03
